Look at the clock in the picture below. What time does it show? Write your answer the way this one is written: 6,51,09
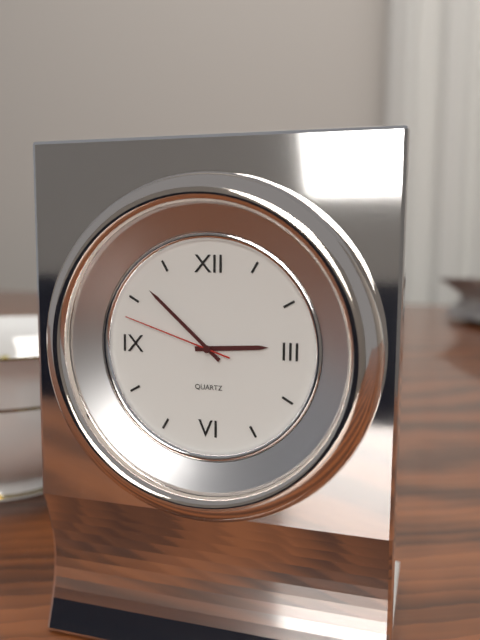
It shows 2,52,48
